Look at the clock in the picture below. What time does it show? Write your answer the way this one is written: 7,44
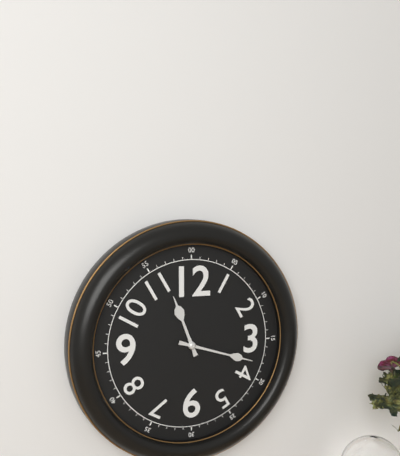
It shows 11,18
